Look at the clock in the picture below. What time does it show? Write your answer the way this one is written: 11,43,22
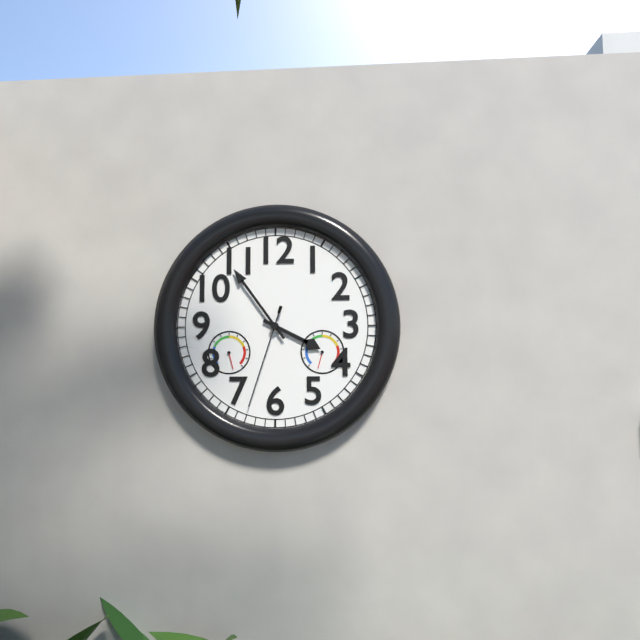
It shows 3,54,33
